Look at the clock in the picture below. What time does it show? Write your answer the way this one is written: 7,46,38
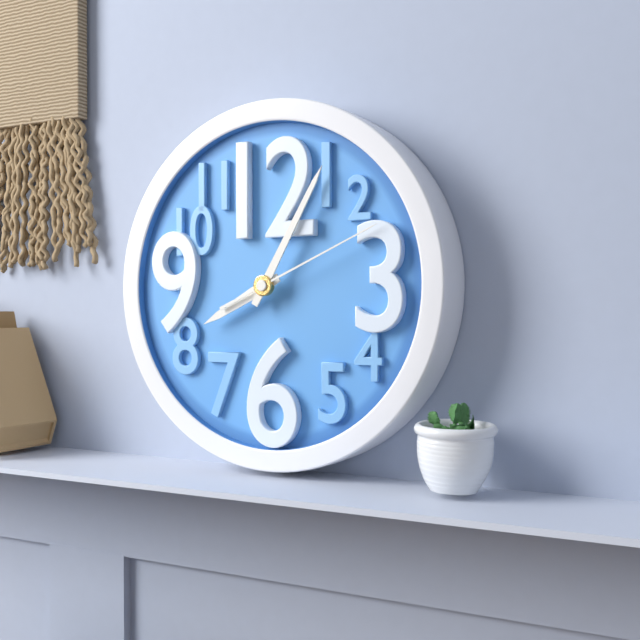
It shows 8,05,11
